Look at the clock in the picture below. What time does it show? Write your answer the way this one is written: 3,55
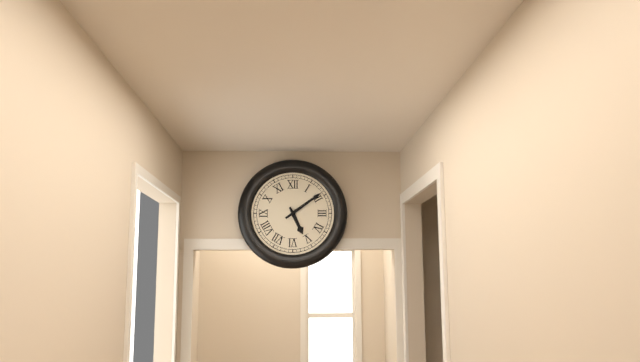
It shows 5,09
